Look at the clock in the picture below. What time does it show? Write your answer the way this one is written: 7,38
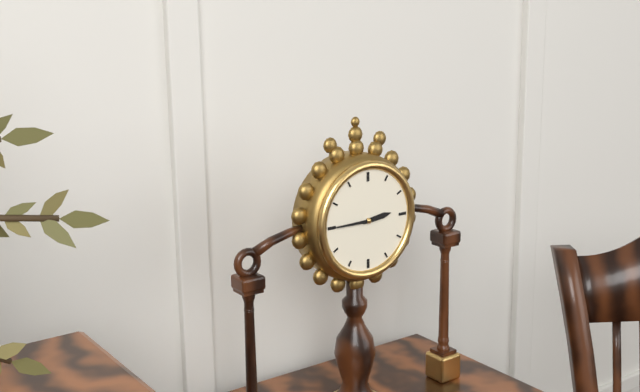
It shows 2,45
